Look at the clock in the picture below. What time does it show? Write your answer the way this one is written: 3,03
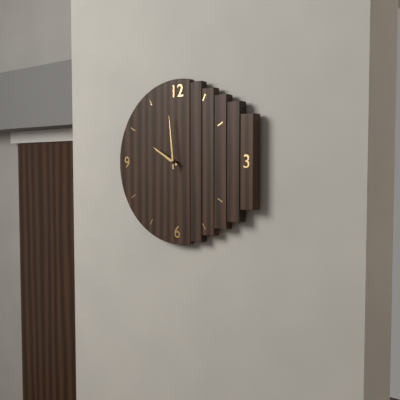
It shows 9,59
